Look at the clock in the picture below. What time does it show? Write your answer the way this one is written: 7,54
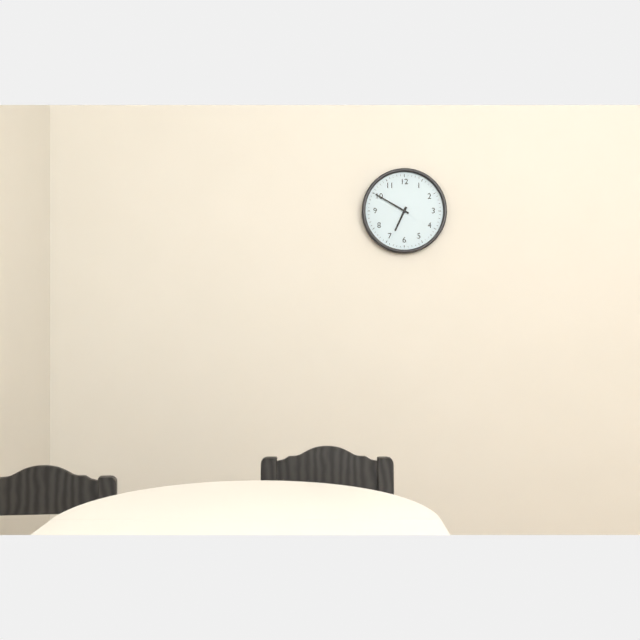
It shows 6,50
